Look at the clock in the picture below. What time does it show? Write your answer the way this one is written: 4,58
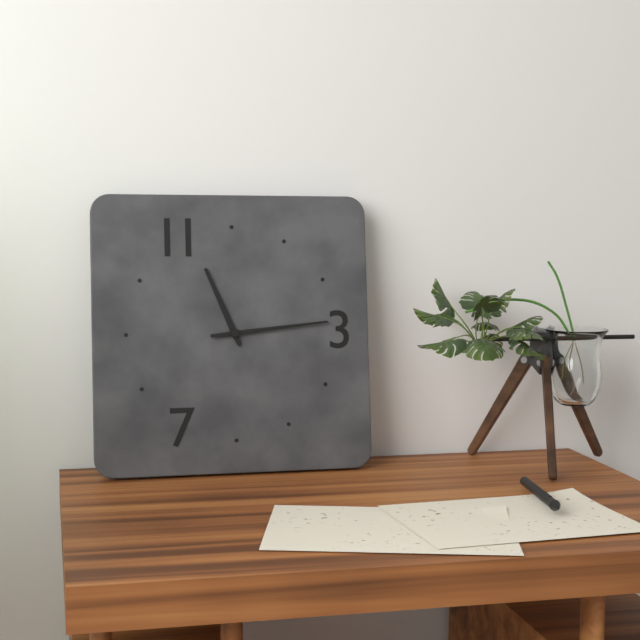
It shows 11,14
